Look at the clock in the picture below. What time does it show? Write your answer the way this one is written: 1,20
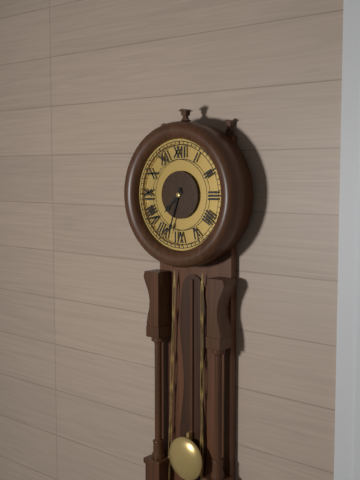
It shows 7,33
